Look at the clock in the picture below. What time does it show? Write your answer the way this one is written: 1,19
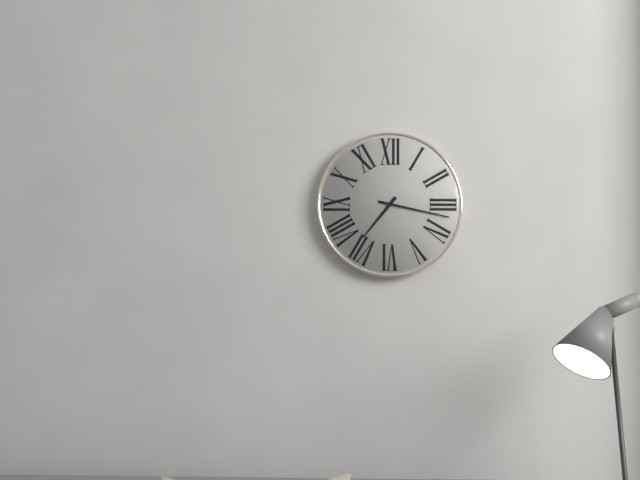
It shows 7,17
